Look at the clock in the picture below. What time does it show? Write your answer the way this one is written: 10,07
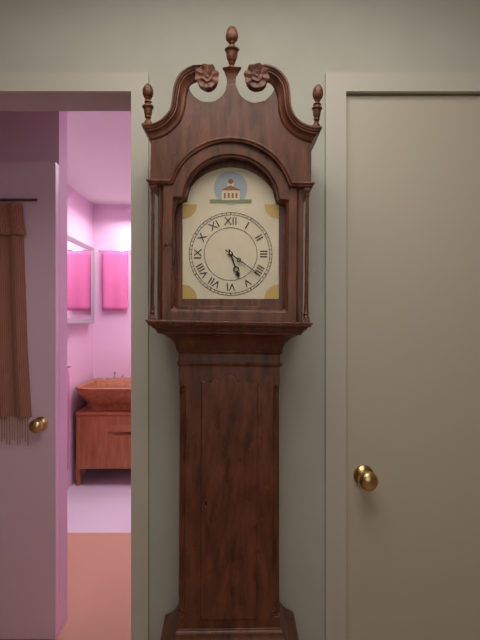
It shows 5,21
